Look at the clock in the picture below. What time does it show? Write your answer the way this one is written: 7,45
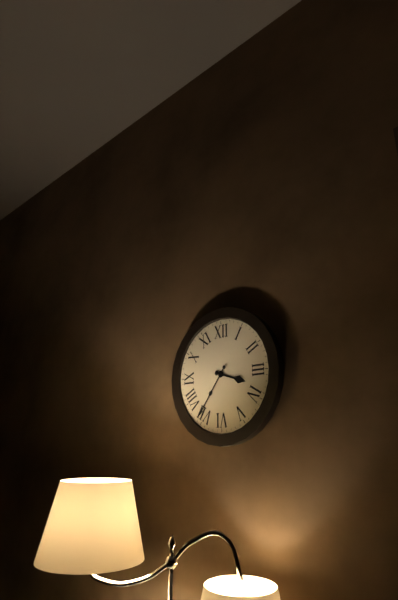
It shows 3,36
